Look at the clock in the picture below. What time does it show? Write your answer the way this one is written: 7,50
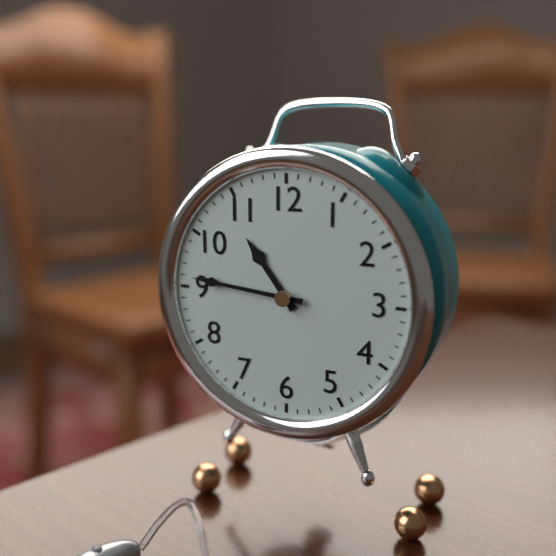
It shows 10,46
